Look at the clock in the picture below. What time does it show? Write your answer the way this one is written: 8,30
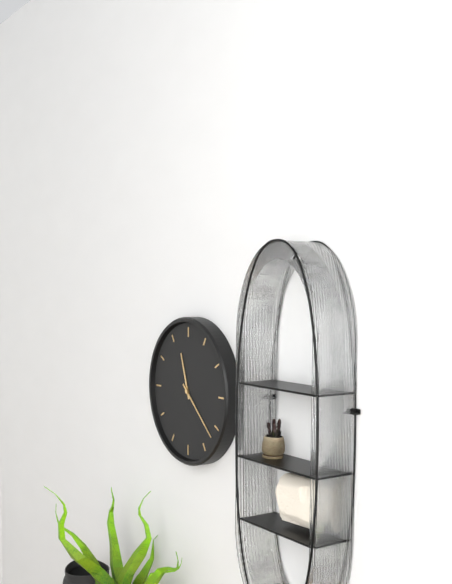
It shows 11,22
